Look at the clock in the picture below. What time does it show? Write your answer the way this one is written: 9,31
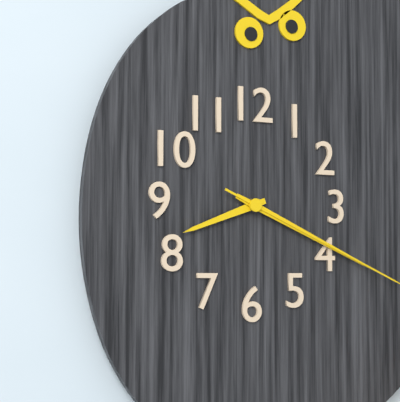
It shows 8,19
